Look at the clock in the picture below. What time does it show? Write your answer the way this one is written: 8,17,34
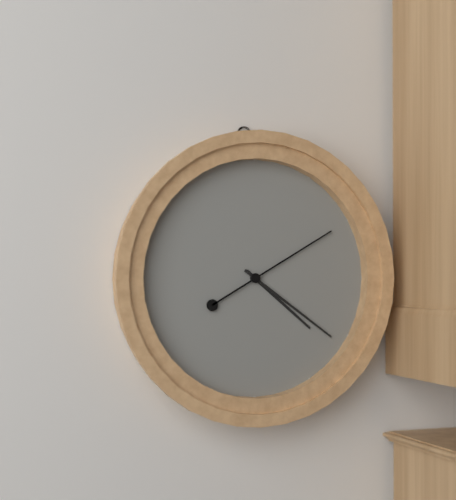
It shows 4,21,10
